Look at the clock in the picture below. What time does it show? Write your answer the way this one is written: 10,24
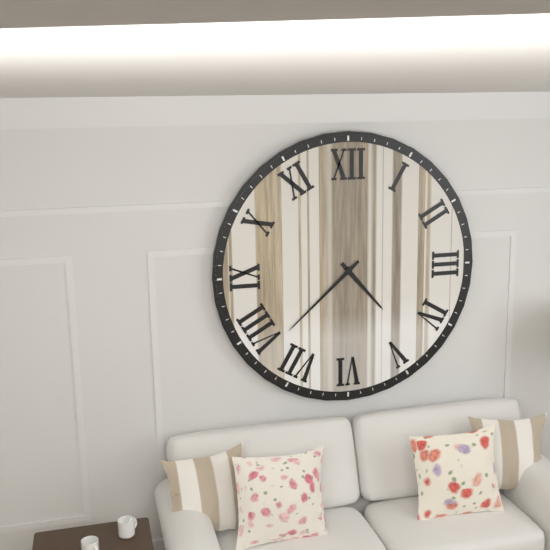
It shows 4,38
